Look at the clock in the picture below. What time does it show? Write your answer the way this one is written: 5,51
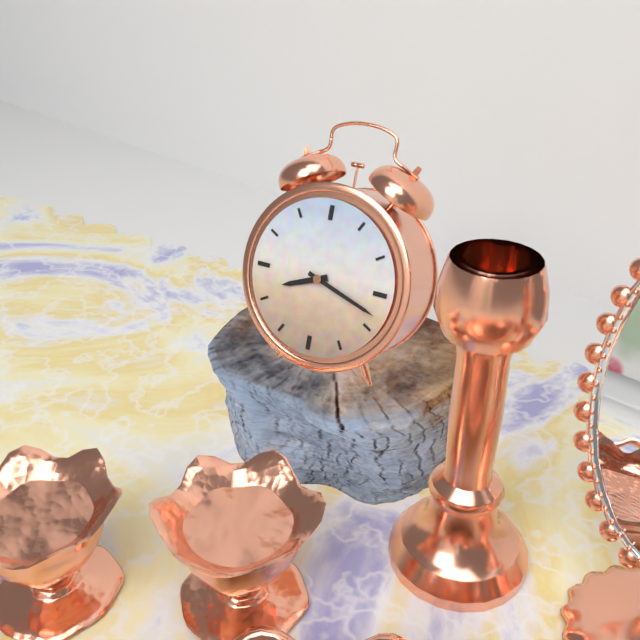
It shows 8,18
